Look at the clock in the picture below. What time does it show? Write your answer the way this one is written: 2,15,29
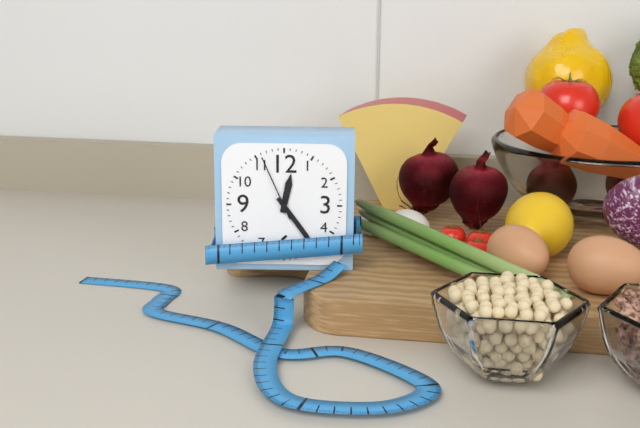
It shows 12,24,56
